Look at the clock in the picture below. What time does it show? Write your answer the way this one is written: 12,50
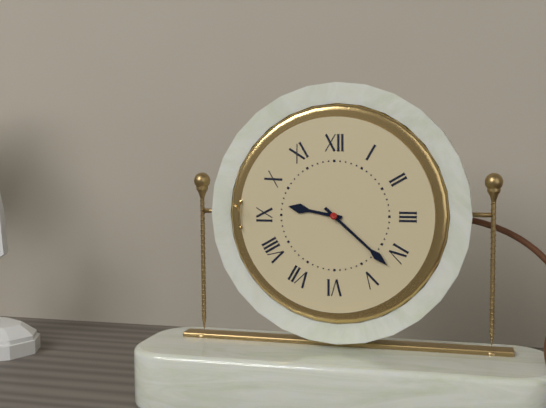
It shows 9,22
